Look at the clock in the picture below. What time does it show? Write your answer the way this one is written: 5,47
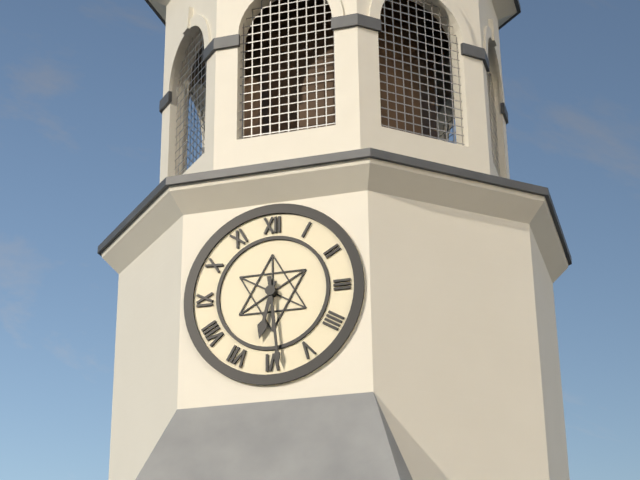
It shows 6,29
